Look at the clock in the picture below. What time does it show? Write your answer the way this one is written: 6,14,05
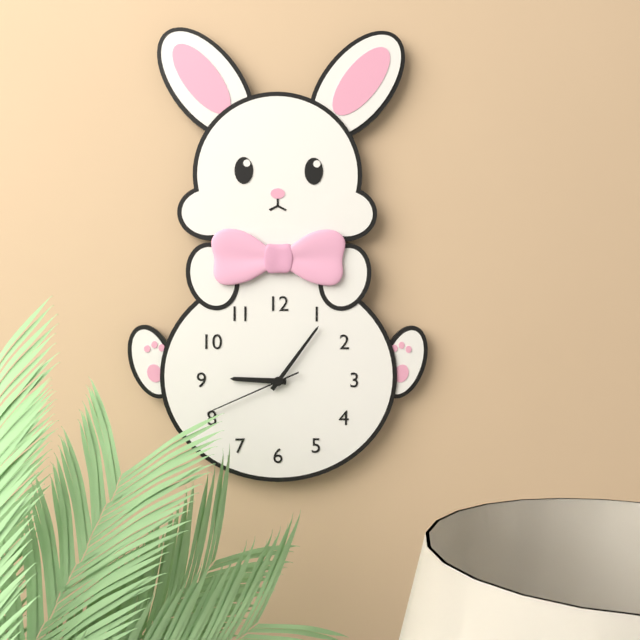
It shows 9,06,41
